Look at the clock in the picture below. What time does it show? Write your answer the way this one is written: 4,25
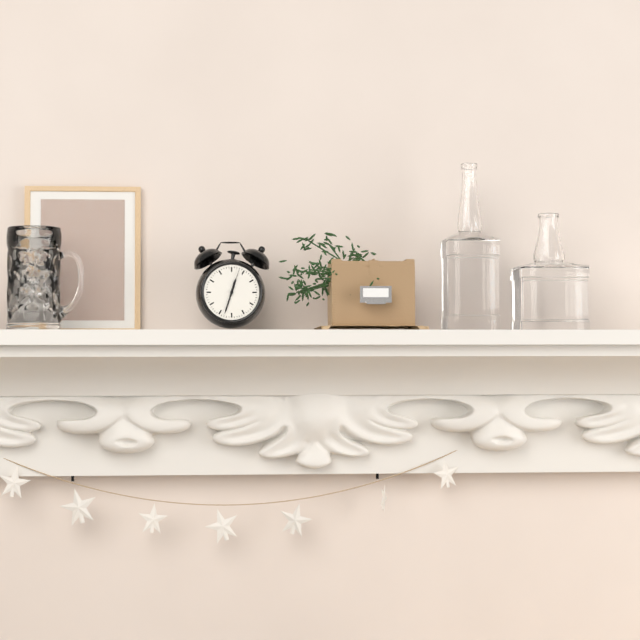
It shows 12,33
